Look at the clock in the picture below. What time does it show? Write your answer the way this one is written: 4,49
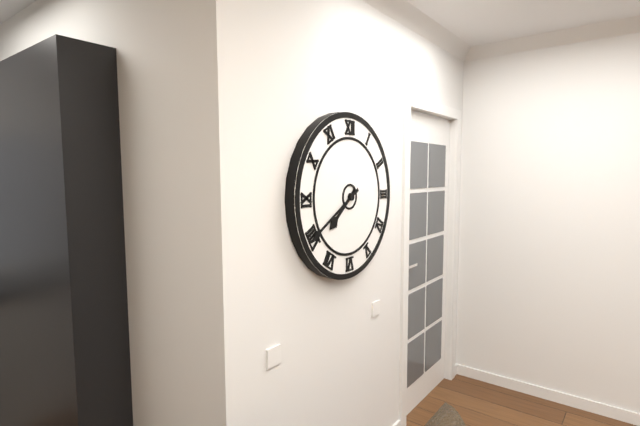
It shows 7,40
